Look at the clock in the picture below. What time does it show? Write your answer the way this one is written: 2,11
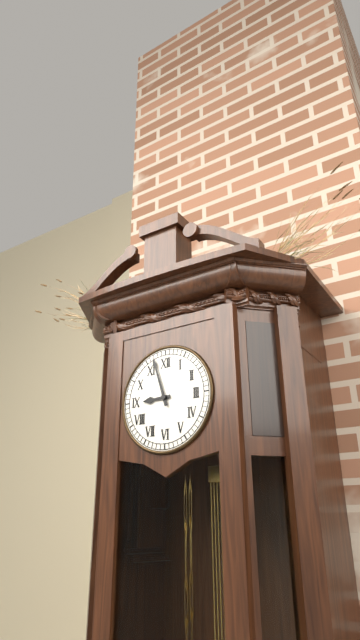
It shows 8,57
